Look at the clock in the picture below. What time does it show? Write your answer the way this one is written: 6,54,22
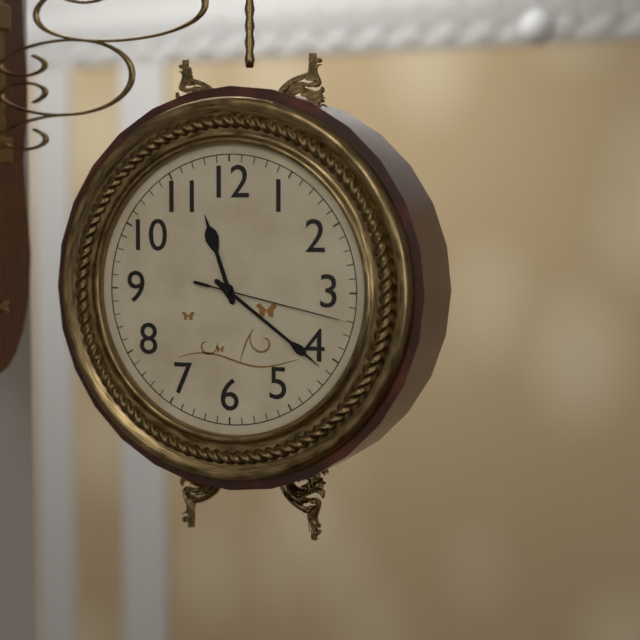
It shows 11,21,17
